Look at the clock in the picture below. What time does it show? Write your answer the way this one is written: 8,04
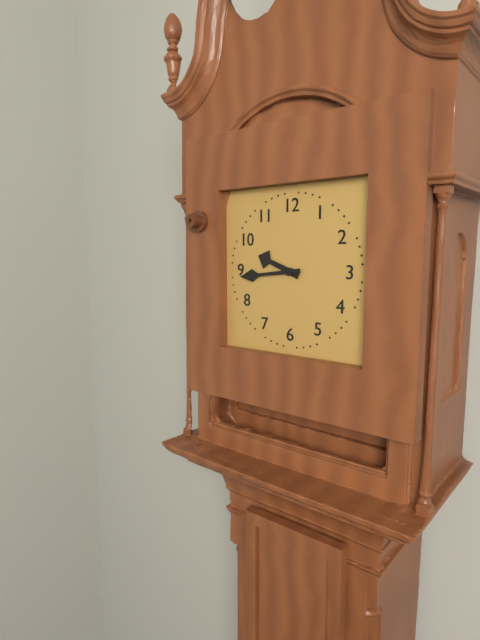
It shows 9,44
